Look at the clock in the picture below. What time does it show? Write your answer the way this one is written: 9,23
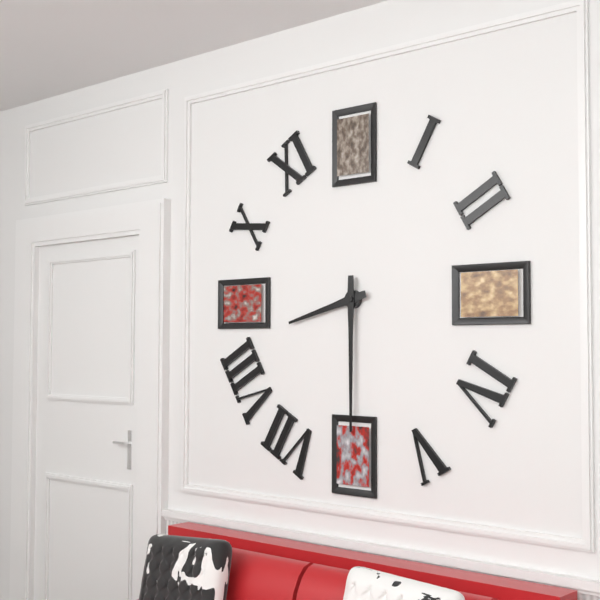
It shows 8,30
